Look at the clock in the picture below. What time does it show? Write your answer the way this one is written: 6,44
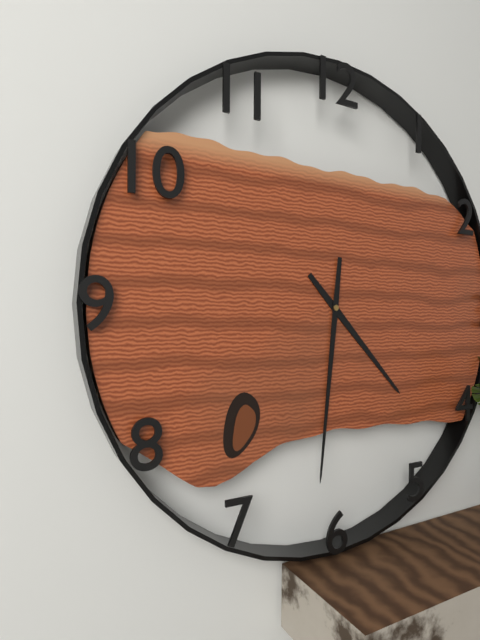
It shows 4,31
